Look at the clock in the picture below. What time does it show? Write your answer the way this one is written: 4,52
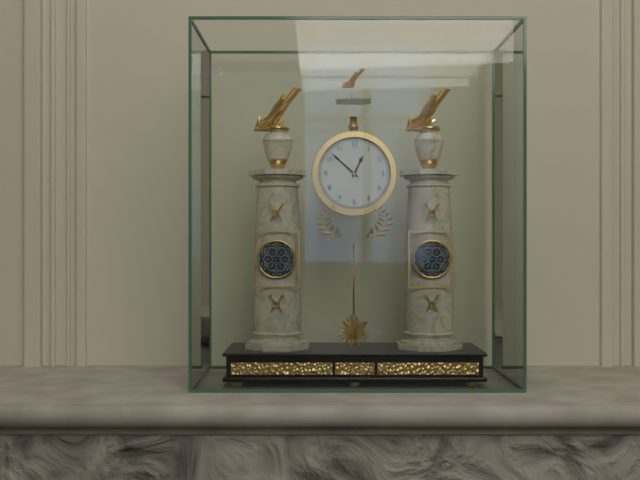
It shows 12,52
